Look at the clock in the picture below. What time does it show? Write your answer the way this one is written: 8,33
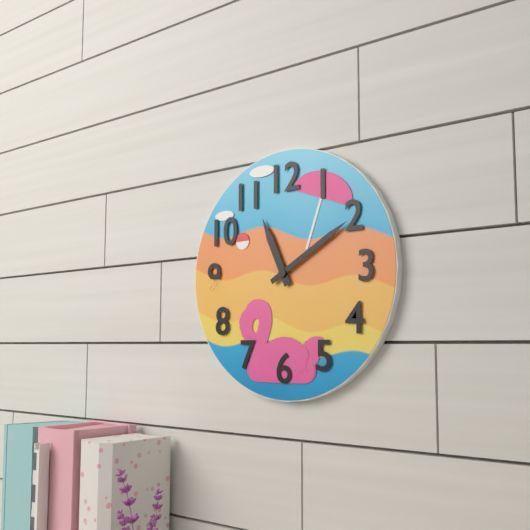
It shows 11,10
